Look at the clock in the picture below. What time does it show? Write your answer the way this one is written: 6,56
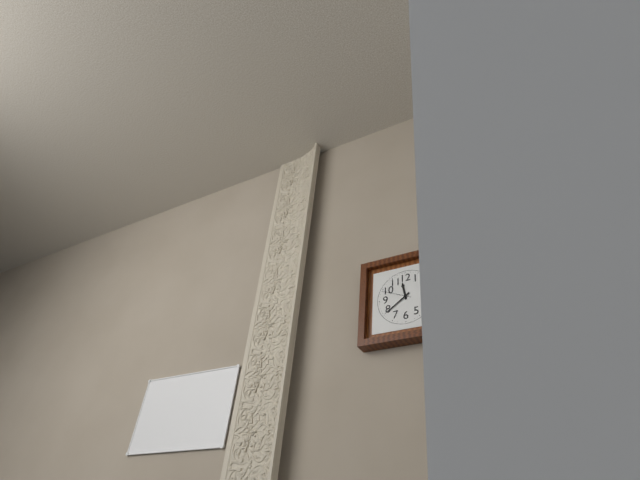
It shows 11,39
